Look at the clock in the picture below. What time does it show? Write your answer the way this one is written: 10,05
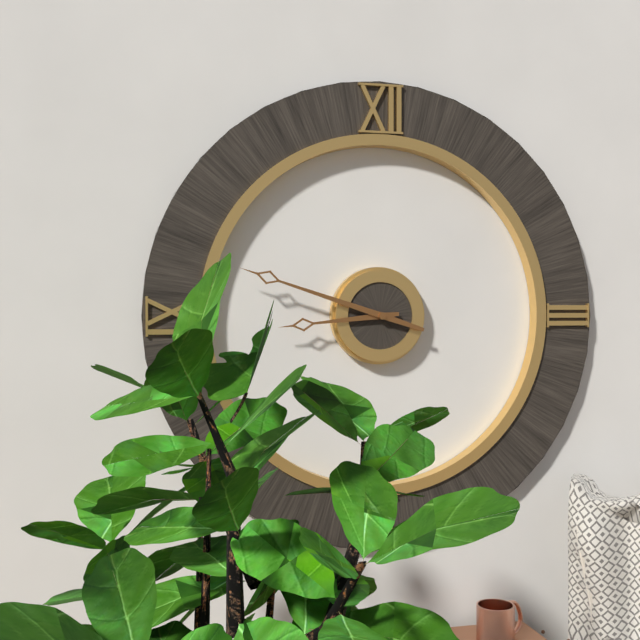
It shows 8,48
